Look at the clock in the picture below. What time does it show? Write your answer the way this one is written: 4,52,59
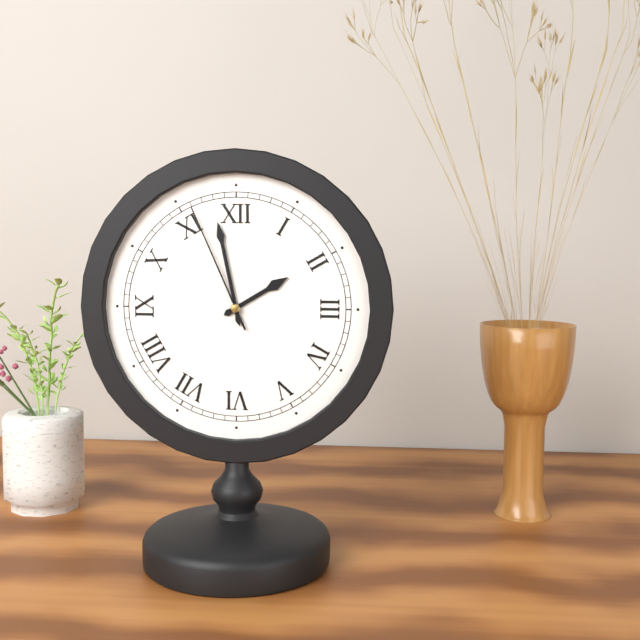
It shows 1,58,56
